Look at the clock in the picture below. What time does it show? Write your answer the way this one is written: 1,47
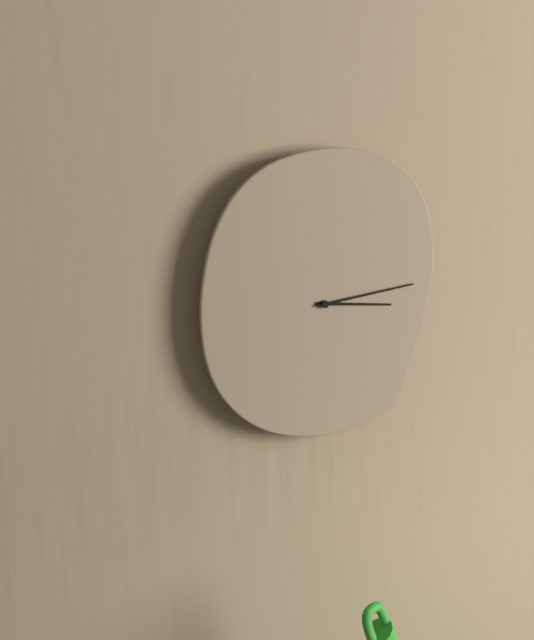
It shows 3,14
